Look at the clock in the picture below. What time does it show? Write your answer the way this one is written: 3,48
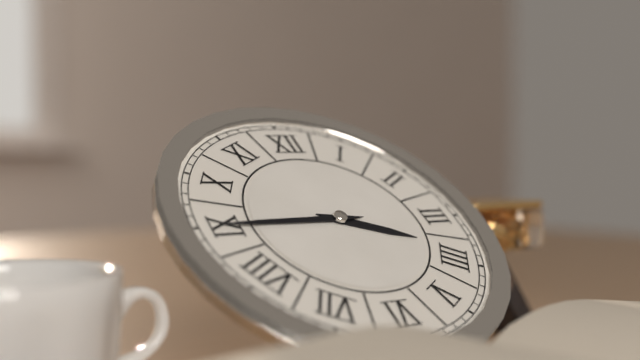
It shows 3,45
